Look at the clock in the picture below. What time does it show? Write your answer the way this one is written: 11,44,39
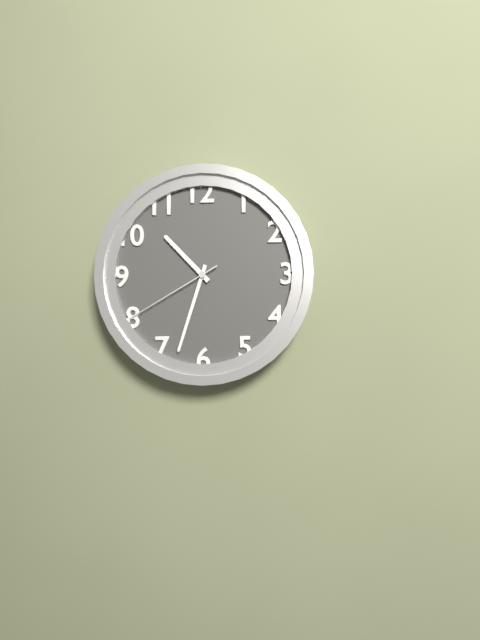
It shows 10,33,40
